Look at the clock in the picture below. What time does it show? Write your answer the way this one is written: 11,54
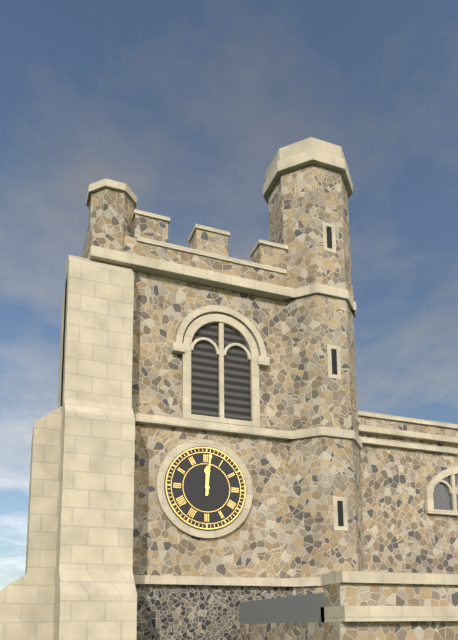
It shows 12,01
